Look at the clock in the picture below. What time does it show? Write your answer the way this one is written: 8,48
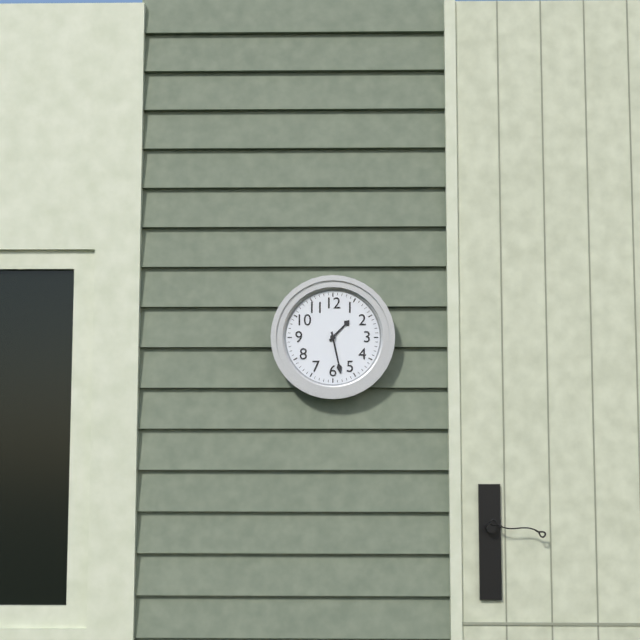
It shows 1,28
